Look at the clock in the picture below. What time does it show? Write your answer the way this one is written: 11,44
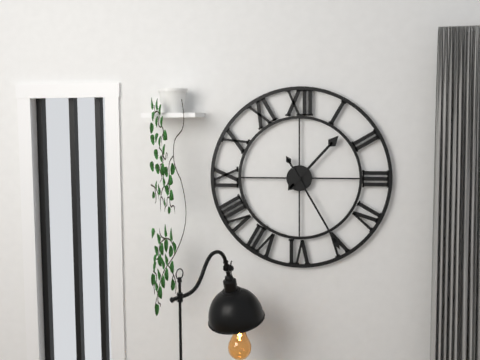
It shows 1,25
